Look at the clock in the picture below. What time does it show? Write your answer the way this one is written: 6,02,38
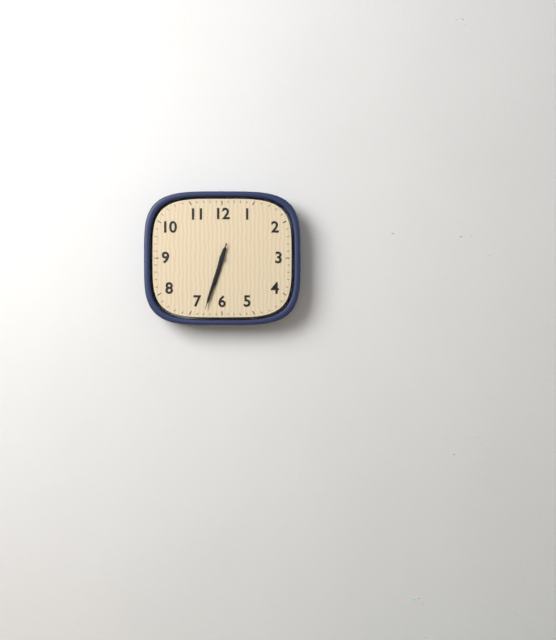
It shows 6,33,33
